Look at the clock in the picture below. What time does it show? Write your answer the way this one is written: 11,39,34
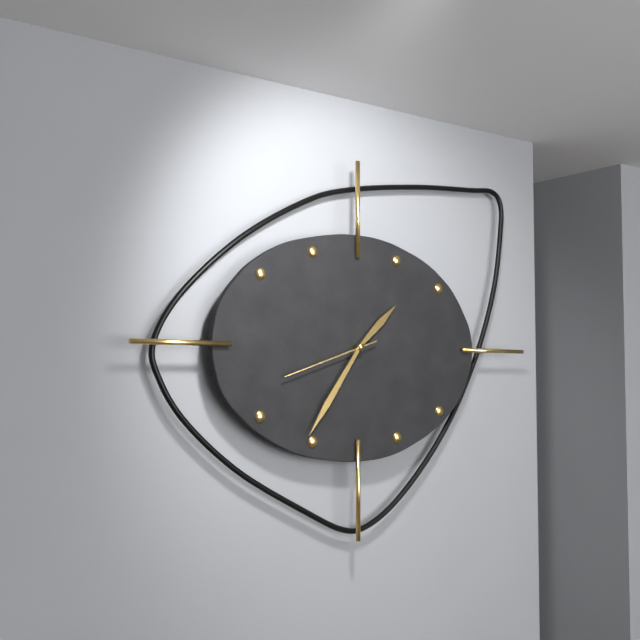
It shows 1,36,42
